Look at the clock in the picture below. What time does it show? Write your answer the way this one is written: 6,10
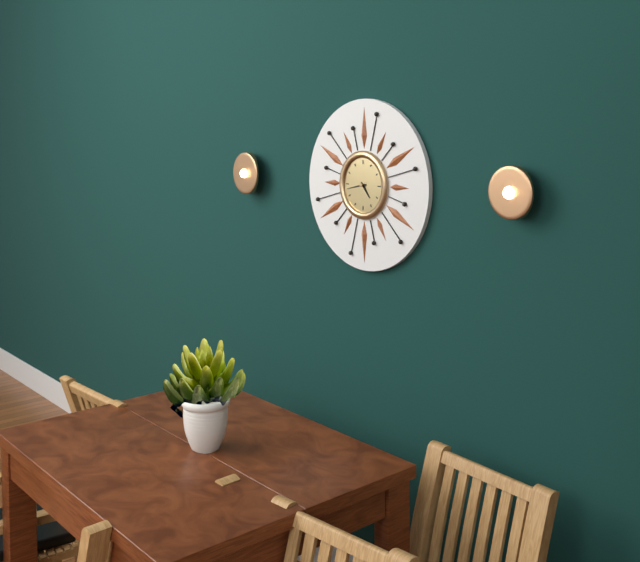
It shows 4,43
